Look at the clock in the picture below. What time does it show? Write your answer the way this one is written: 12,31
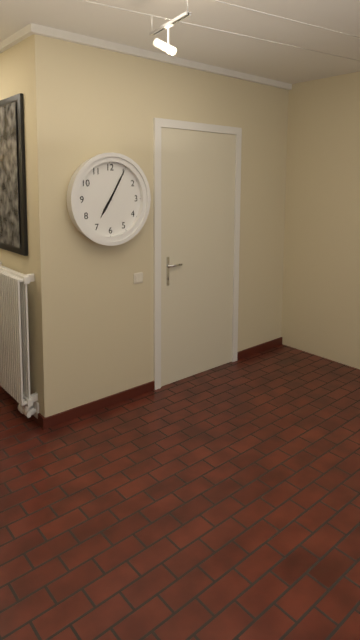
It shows 7,05
